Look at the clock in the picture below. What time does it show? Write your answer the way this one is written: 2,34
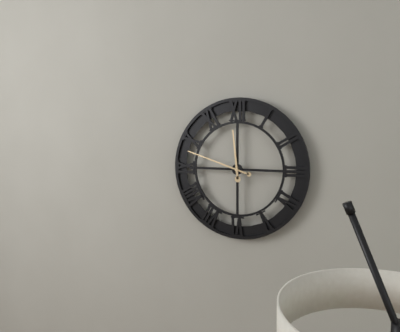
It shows 11,48
